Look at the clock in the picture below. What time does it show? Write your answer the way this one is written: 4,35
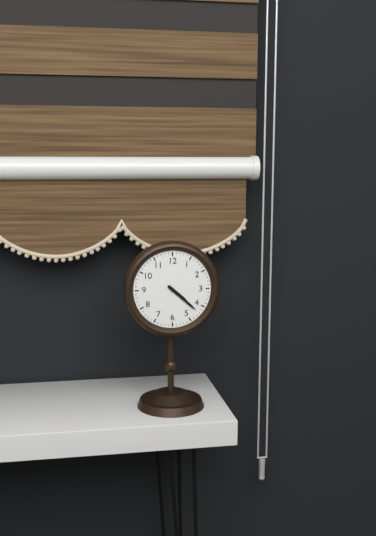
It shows 4,22
